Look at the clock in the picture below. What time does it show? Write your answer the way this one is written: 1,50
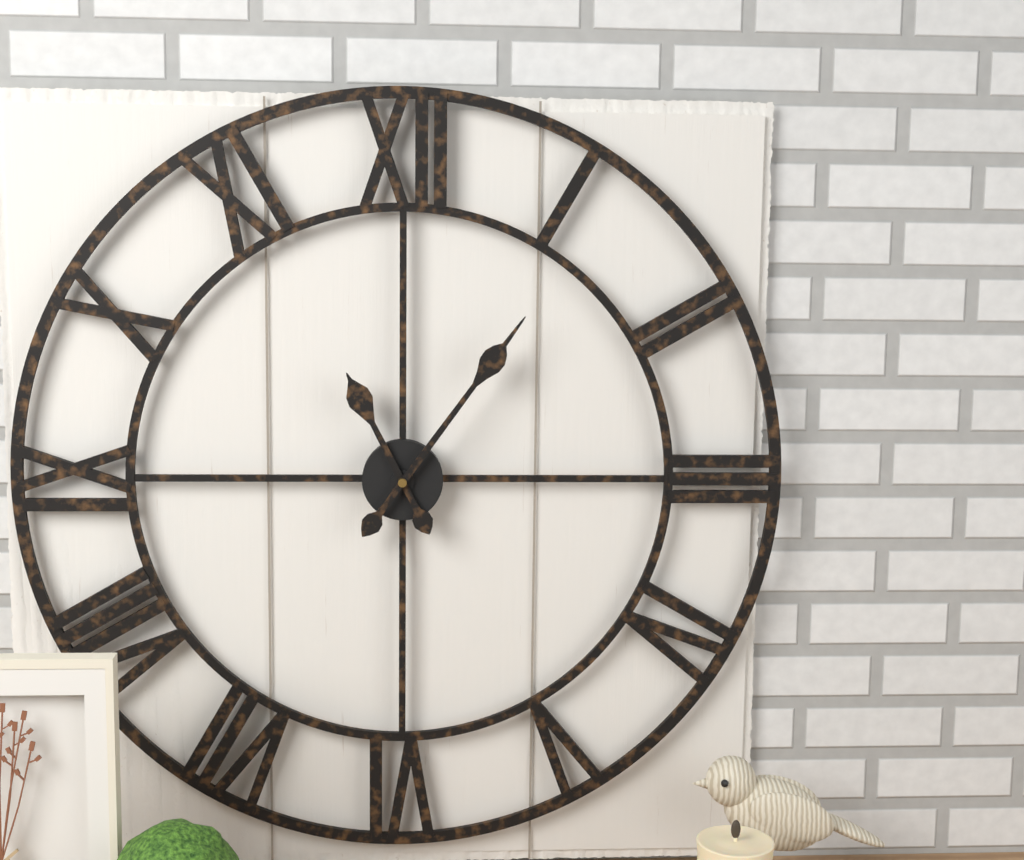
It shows 11,06
